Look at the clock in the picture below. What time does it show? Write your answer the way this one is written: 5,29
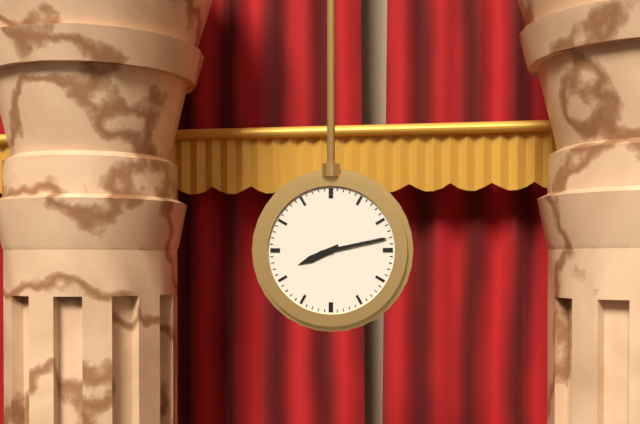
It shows 8,13
